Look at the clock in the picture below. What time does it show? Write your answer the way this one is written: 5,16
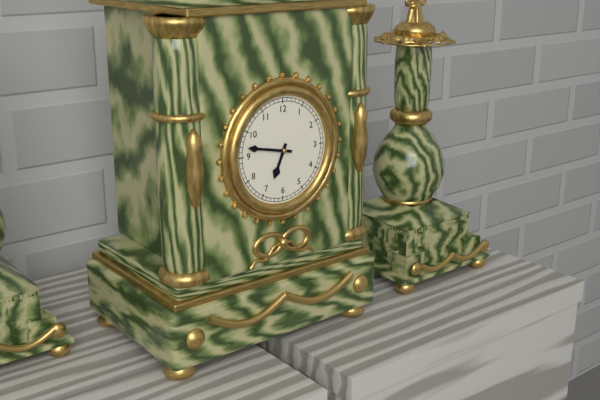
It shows 6,47
